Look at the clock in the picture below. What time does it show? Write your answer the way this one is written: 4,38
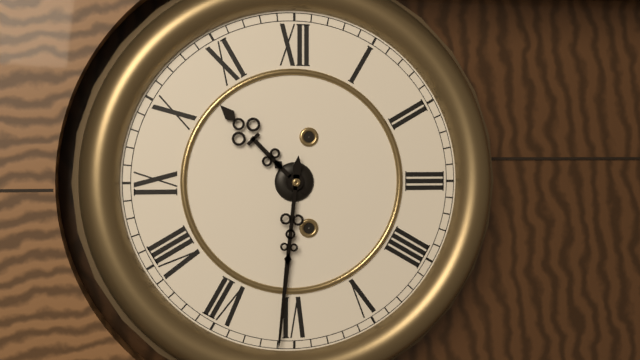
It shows 10,31
